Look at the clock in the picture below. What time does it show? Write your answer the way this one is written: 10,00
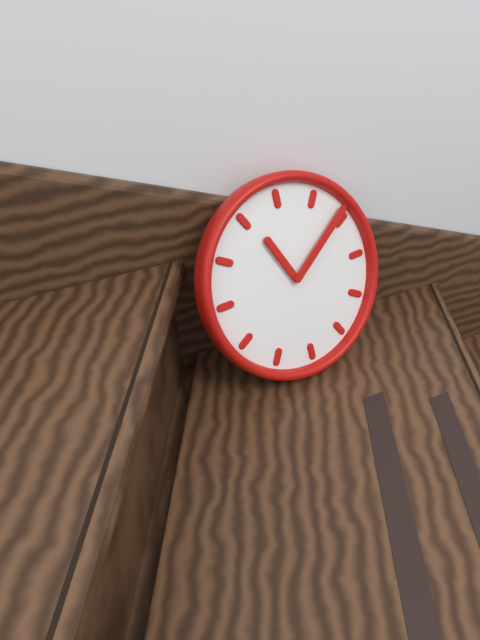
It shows 11,09
